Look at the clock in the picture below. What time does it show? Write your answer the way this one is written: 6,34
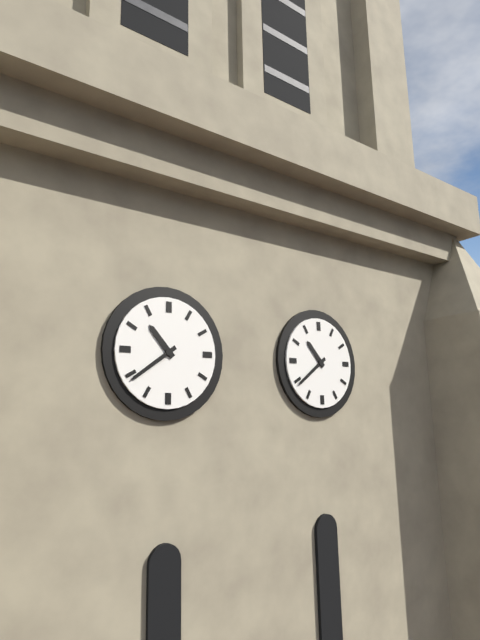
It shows 10,39
